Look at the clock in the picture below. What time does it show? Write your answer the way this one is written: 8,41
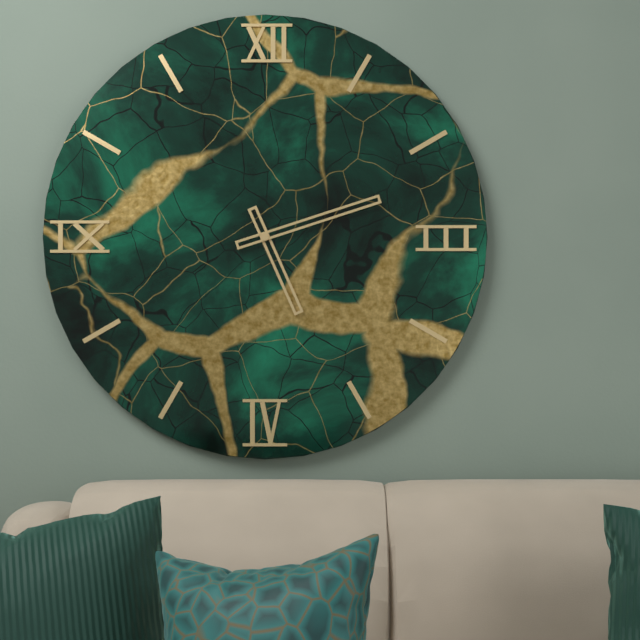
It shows 5,12
